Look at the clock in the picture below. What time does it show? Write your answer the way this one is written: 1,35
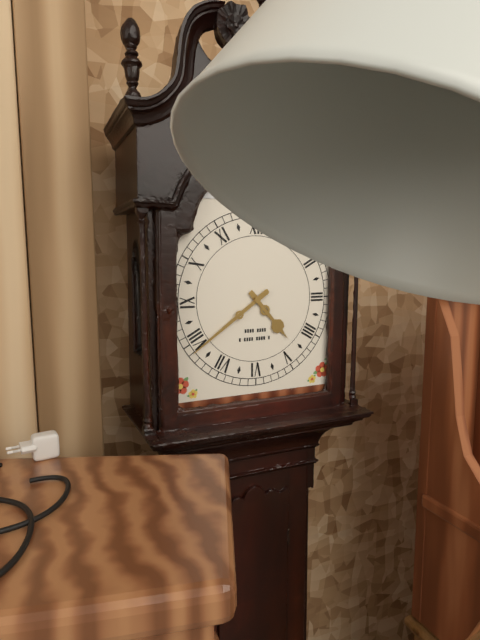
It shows 4,39
